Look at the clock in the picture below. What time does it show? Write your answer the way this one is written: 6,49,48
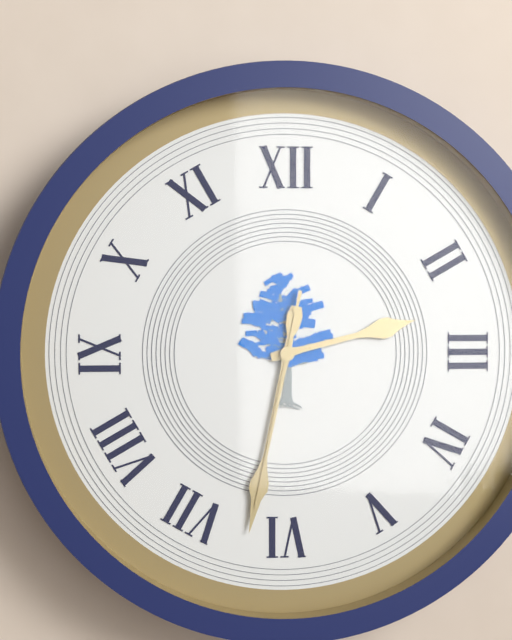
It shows 2,32,32
